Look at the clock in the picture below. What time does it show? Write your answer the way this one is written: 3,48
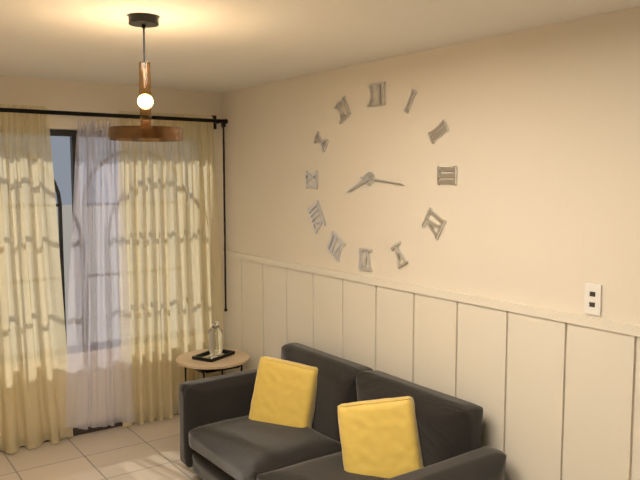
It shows 8,16
